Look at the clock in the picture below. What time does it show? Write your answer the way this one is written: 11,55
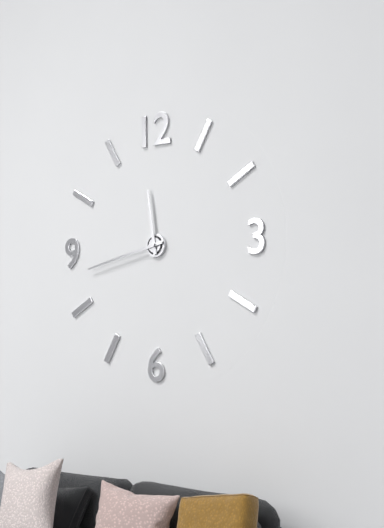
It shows 11,43
